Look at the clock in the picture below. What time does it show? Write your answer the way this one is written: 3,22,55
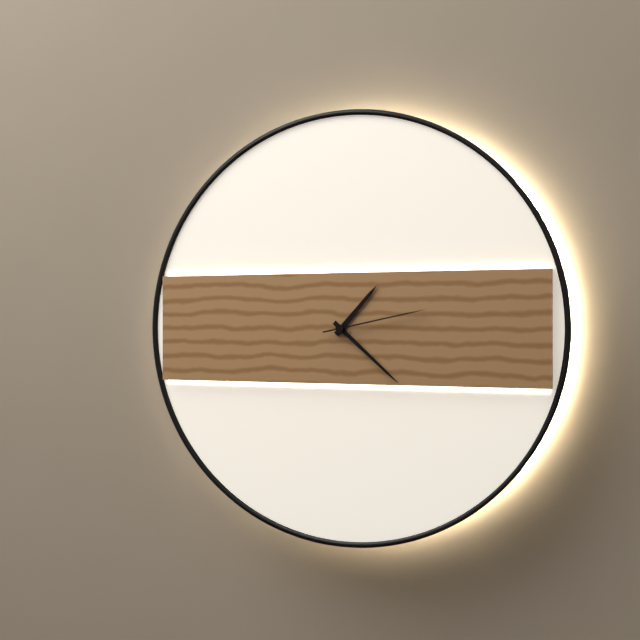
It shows 1,22,13
